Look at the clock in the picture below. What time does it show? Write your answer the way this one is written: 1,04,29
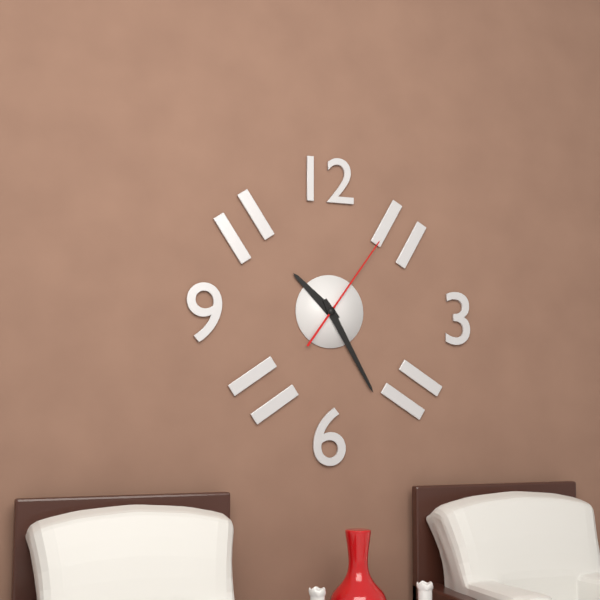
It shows 10,25,06
